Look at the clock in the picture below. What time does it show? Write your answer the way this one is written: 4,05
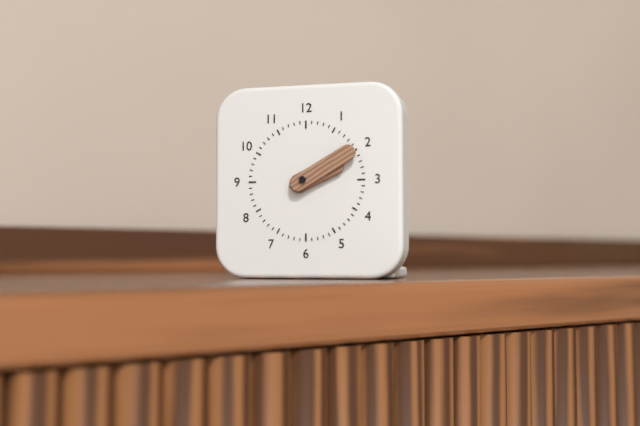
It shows 2,10
